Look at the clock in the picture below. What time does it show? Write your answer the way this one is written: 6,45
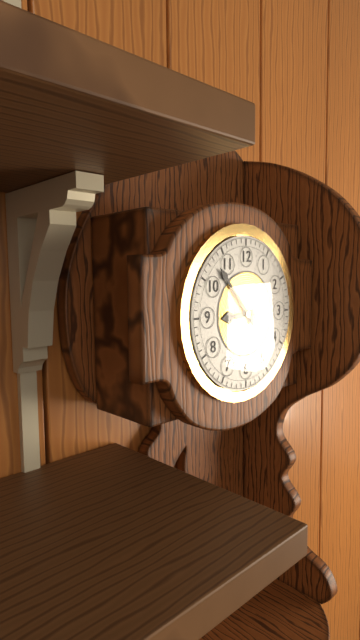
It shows 8,53
